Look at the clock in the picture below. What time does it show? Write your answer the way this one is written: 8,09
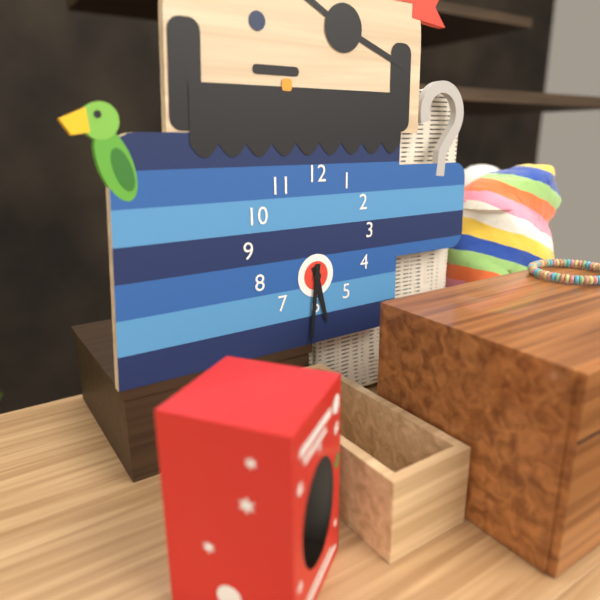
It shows 5,31
